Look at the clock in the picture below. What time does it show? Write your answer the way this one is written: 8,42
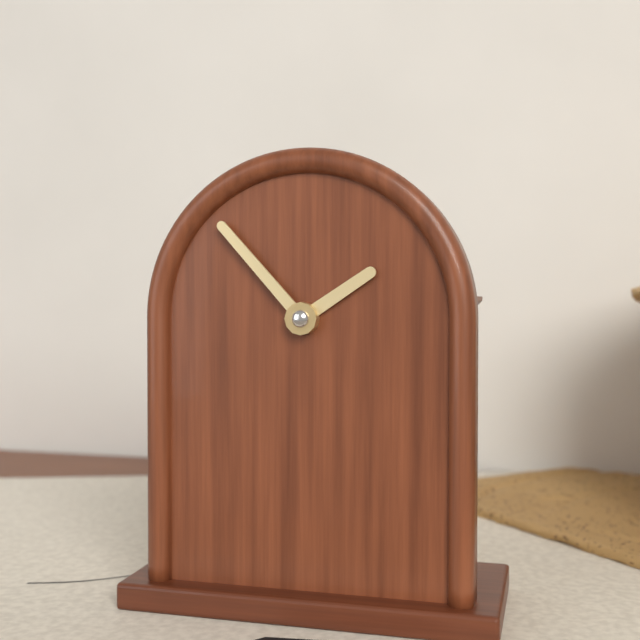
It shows 1,53
